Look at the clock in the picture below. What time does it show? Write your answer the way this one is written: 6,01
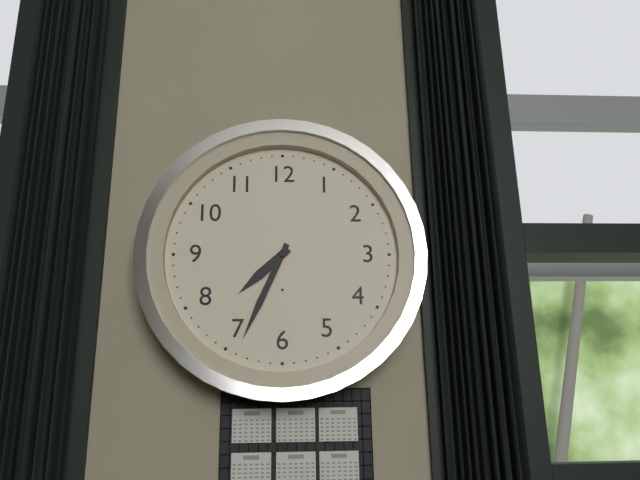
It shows 7,34
